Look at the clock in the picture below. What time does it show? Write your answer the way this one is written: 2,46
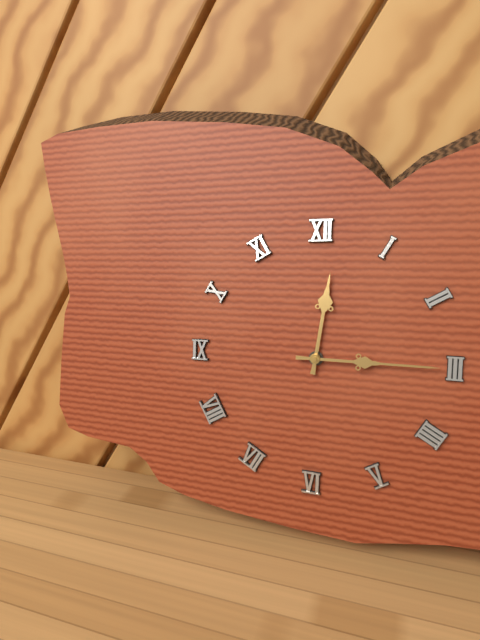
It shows 12,15
